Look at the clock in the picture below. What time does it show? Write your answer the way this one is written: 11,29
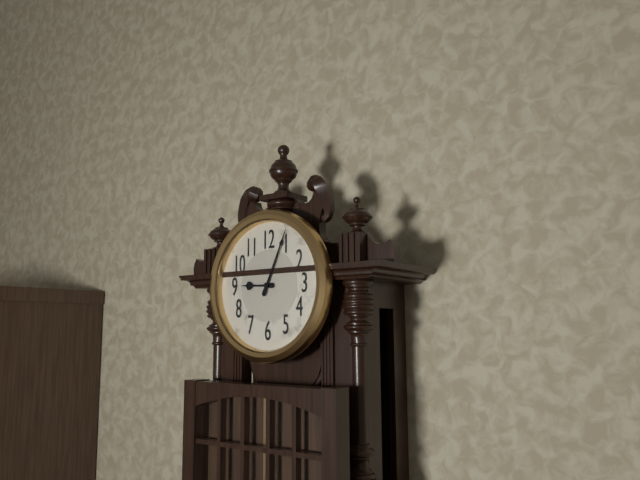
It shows 9,04
